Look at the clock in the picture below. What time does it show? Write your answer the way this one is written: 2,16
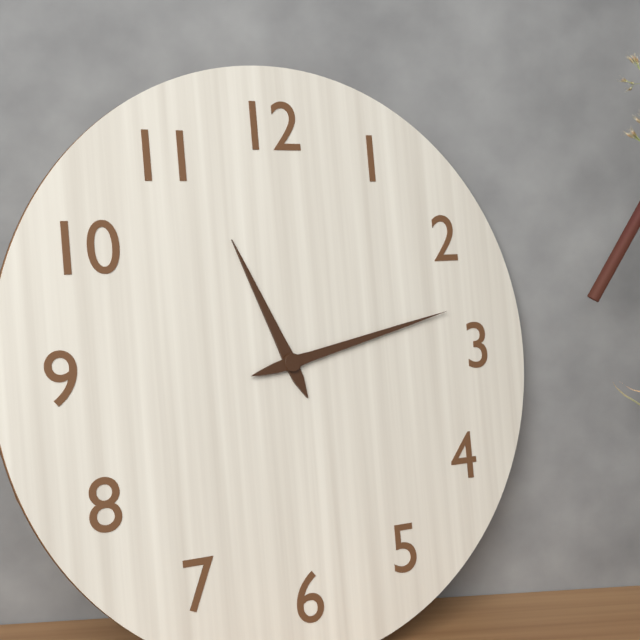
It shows 11,13
